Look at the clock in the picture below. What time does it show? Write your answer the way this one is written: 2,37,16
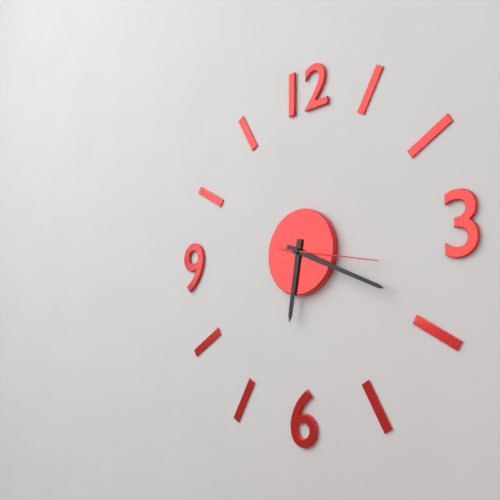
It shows 6,19,17
